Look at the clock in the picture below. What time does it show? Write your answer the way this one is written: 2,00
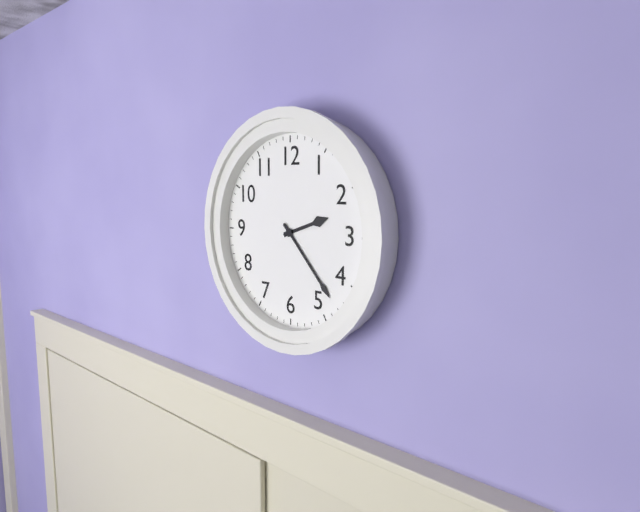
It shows 2,23
